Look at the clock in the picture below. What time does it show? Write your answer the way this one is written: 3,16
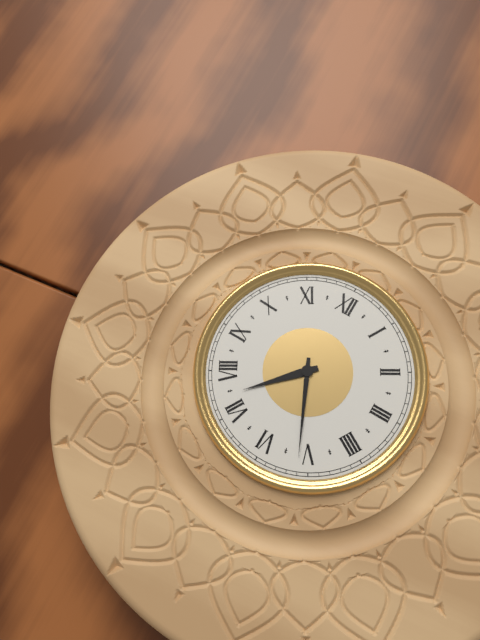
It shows 7,26
